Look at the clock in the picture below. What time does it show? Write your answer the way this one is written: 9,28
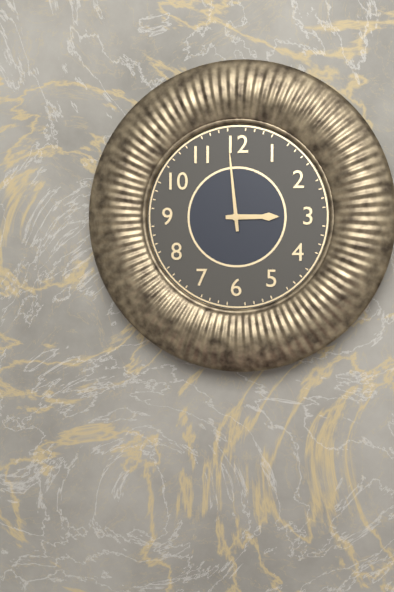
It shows 2,59
